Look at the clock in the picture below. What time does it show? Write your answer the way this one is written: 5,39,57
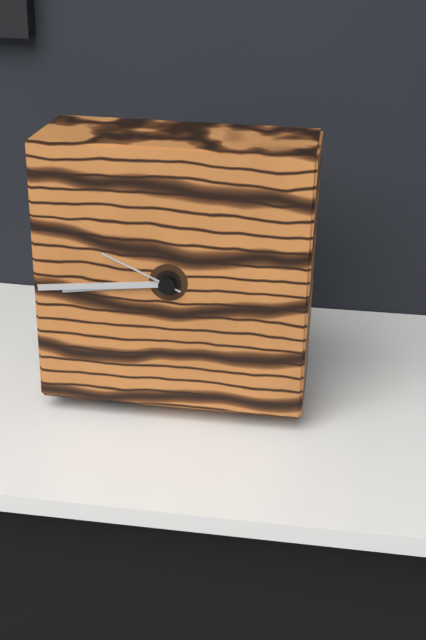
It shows 8,44,49
